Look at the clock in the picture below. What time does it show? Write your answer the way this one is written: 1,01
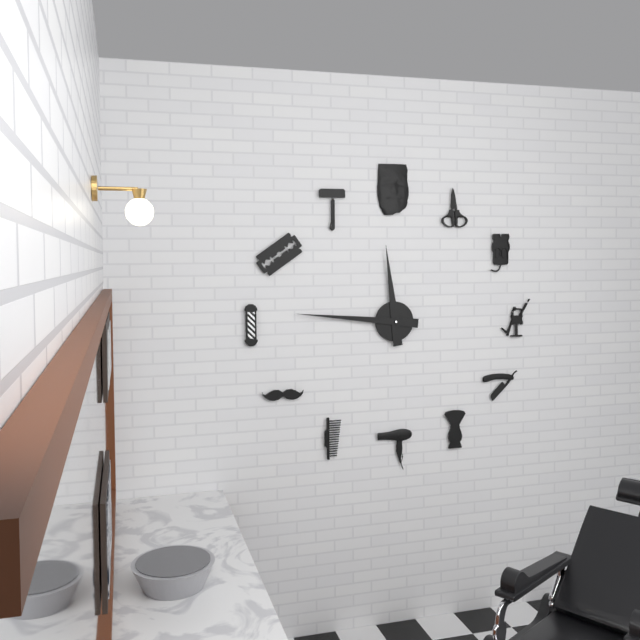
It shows 11,46
